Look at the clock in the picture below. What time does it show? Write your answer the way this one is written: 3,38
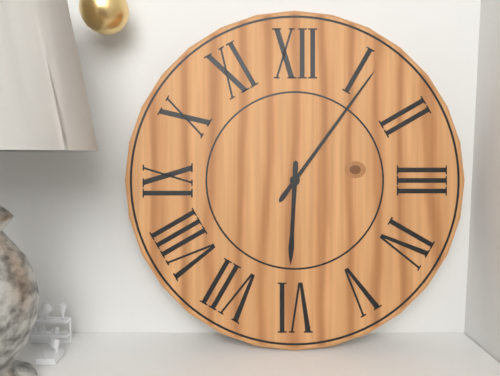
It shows 6,06
